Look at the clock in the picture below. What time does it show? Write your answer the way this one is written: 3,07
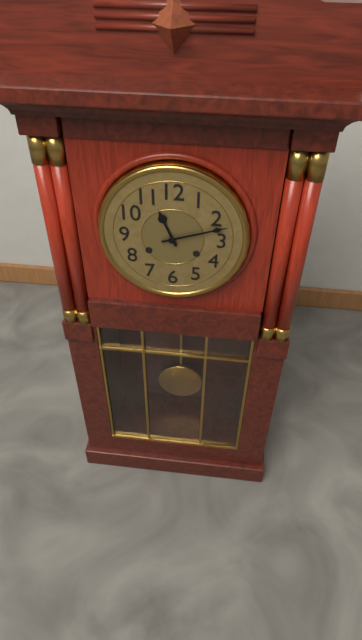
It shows 11,12
